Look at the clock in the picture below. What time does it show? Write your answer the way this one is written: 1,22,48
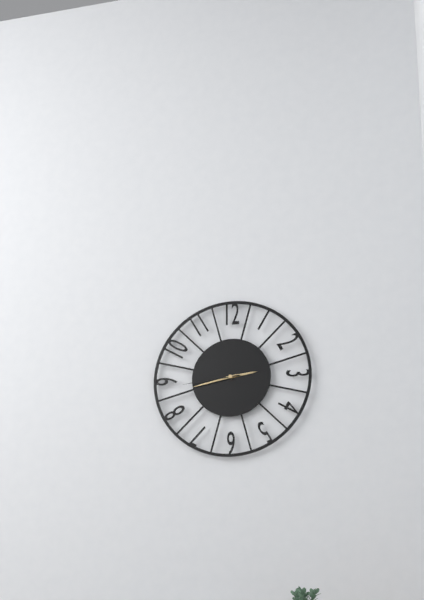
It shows 2,43,44
